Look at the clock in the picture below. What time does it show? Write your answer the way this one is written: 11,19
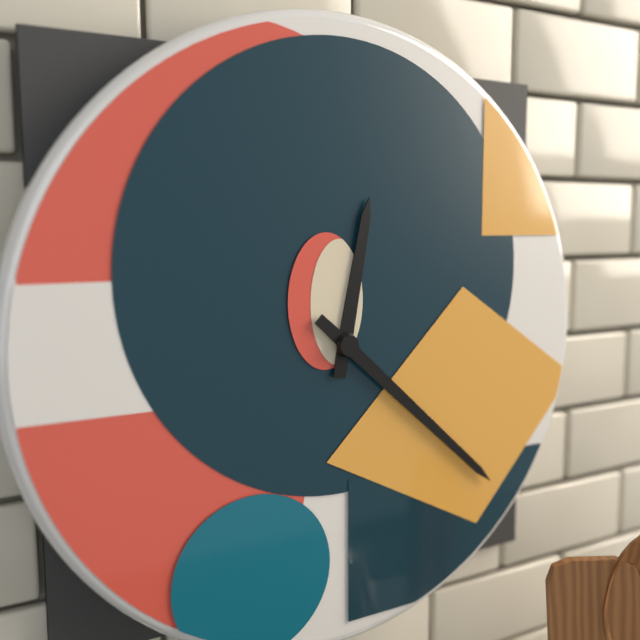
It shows 12,22
